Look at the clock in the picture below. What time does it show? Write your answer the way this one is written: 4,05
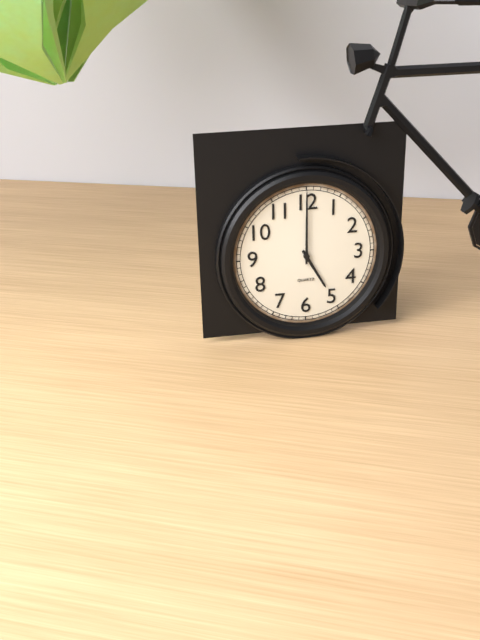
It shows 5,00
